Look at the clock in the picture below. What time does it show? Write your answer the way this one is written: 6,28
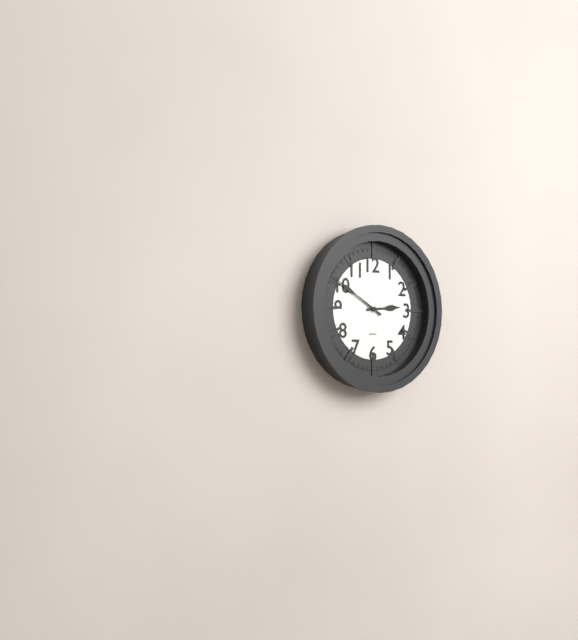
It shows 2,50
